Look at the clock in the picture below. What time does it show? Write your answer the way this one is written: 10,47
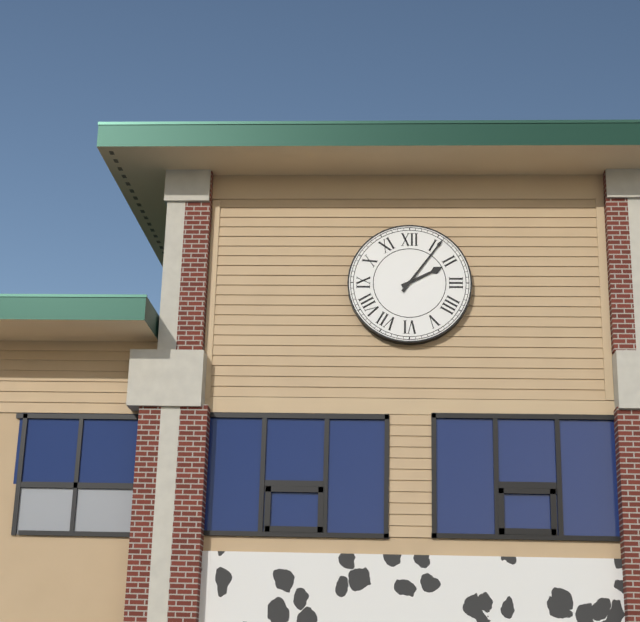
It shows 2,06
